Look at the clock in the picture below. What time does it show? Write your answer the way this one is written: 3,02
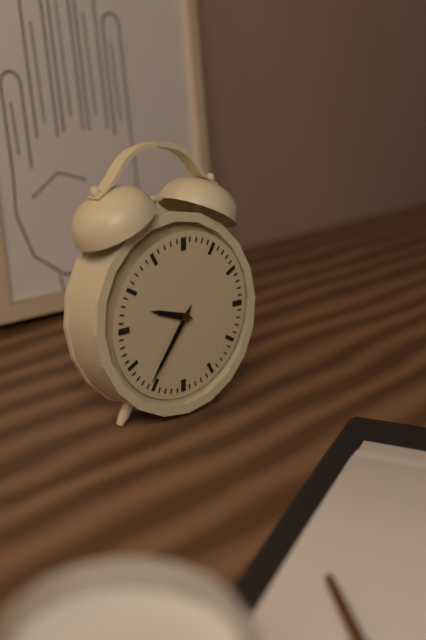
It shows 9,36
